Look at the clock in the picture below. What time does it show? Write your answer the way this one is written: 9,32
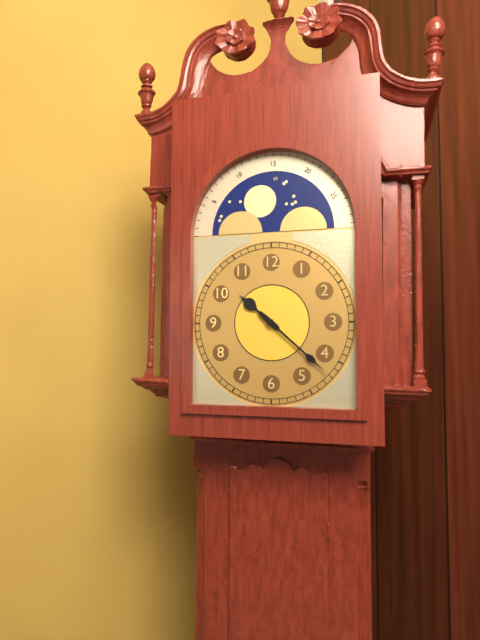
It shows 10,22
